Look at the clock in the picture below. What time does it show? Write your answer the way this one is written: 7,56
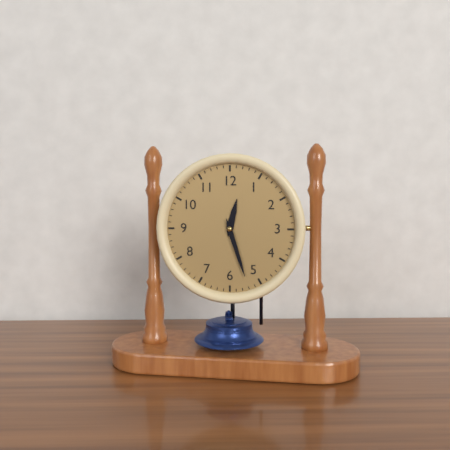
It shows 12,27
